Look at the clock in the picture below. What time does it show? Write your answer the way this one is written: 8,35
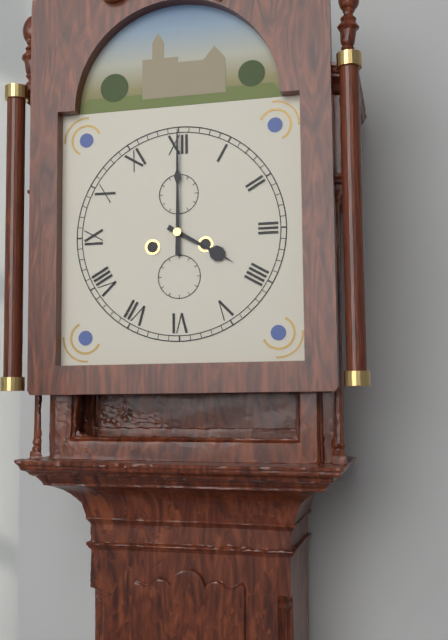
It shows 4,00
